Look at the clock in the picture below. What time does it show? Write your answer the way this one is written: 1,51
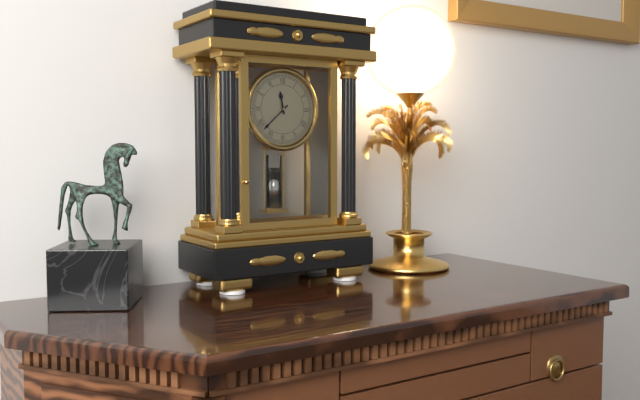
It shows 11,38
